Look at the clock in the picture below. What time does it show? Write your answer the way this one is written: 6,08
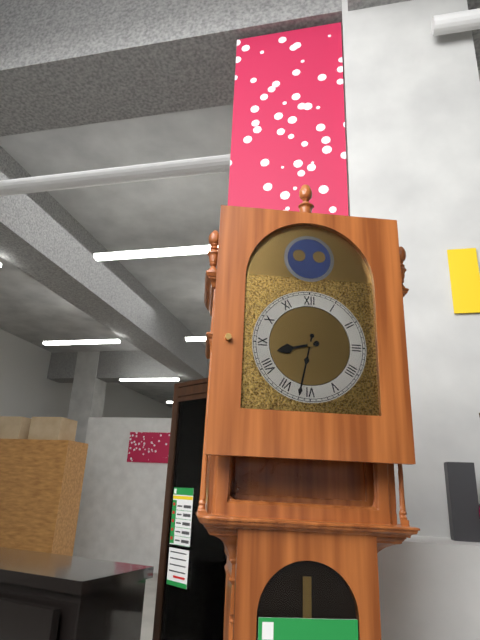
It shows 8,32
